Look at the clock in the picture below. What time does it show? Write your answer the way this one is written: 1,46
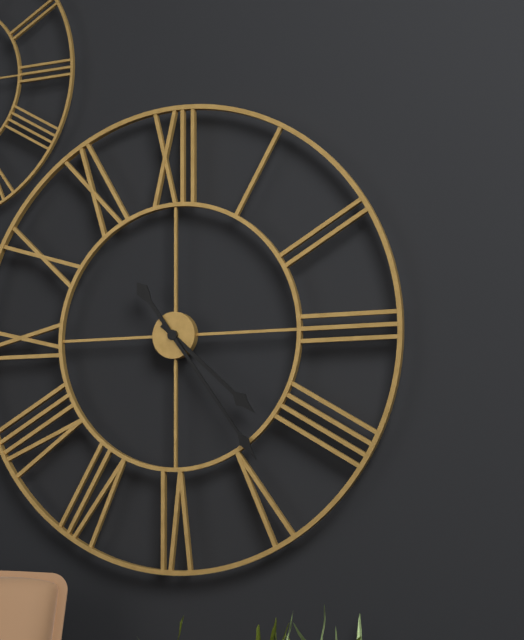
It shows 4,24
